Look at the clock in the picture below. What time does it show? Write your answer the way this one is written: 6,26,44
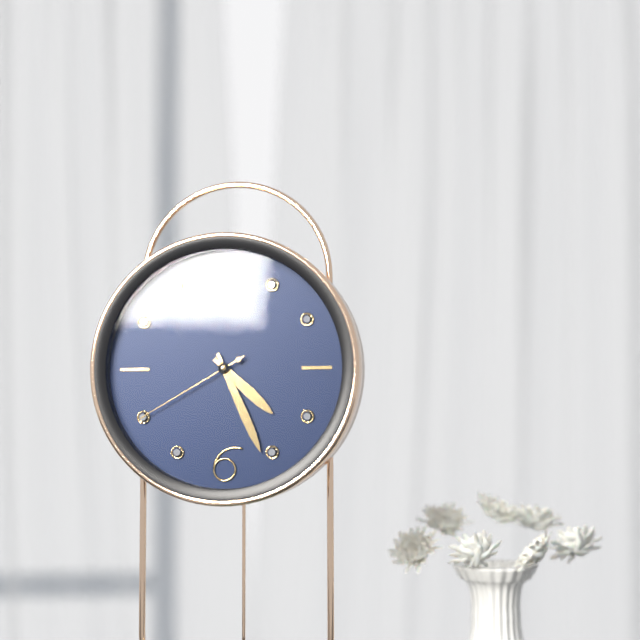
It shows 4,26,40
